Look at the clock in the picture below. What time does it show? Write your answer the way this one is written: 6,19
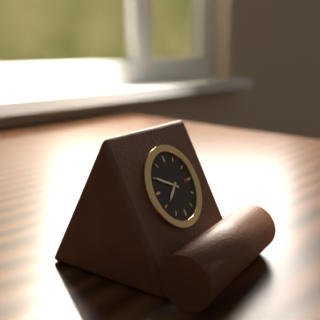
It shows 7,50
